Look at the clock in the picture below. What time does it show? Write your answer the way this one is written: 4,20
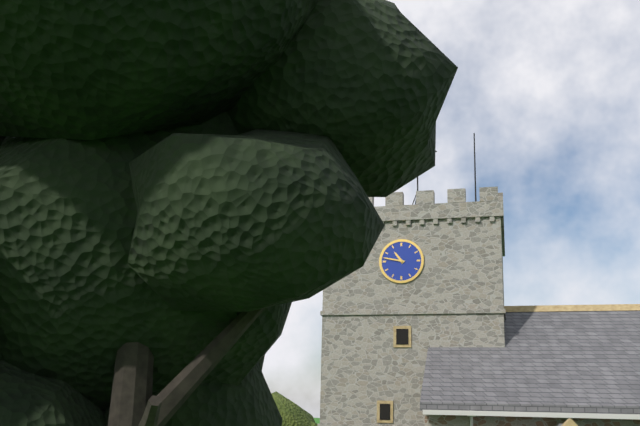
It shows 10,47
